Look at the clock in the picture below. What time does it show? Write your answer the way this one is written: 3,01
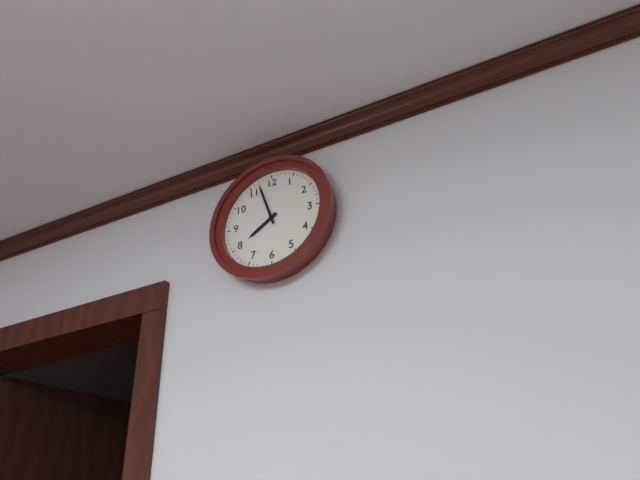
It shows 7,57
